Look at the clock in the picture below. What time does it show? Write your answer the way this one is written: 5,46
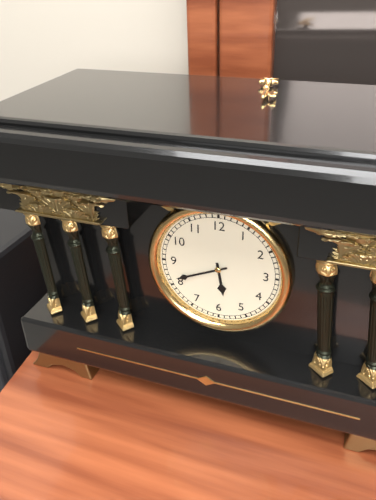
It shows 5,41
